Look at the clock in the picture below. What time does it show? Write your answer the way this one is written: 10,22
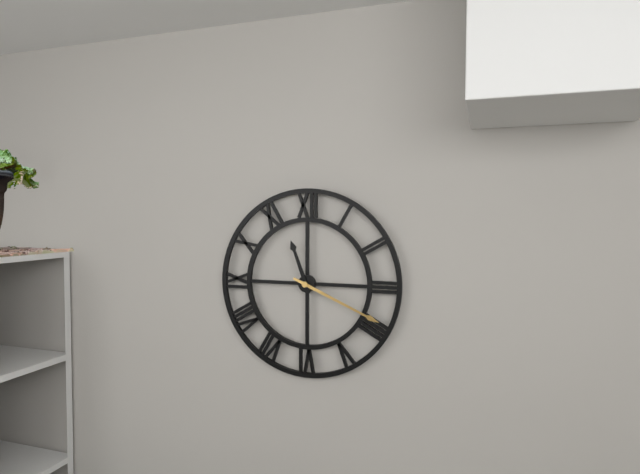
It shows 11,19
